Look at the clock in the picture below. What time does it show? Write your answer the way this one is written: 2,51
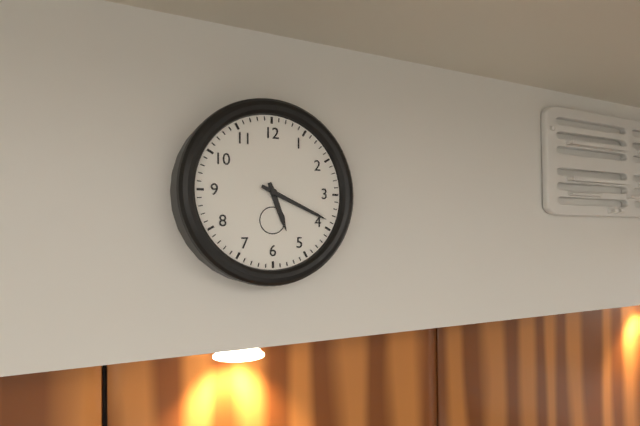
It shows 5,19
